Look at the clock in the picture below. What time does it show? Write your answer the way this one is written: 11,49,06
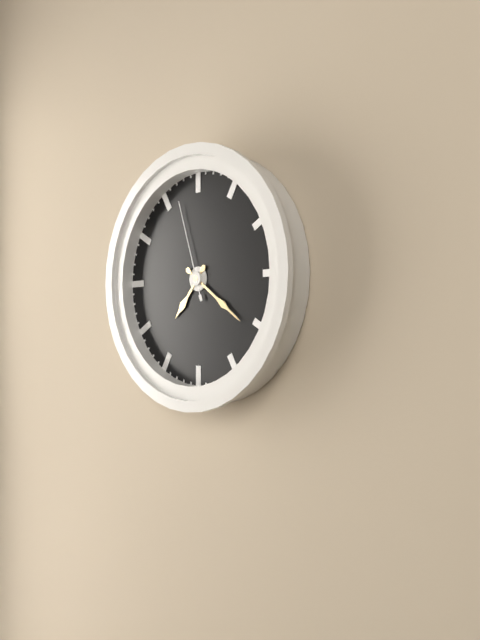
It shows 7,21,57
